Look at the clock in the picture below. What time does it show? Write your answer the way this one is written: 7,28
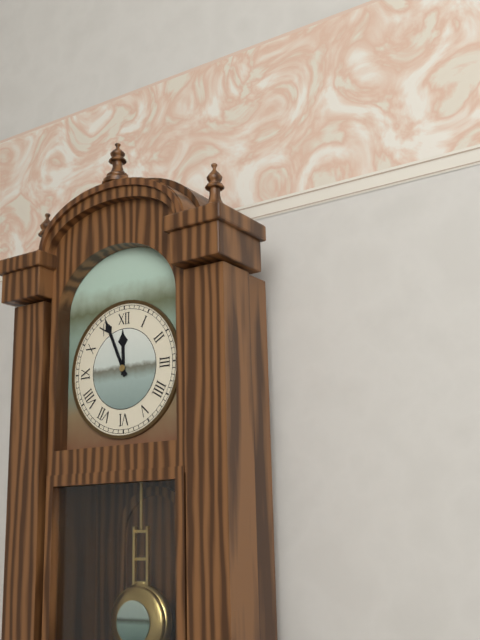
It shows 11,56
